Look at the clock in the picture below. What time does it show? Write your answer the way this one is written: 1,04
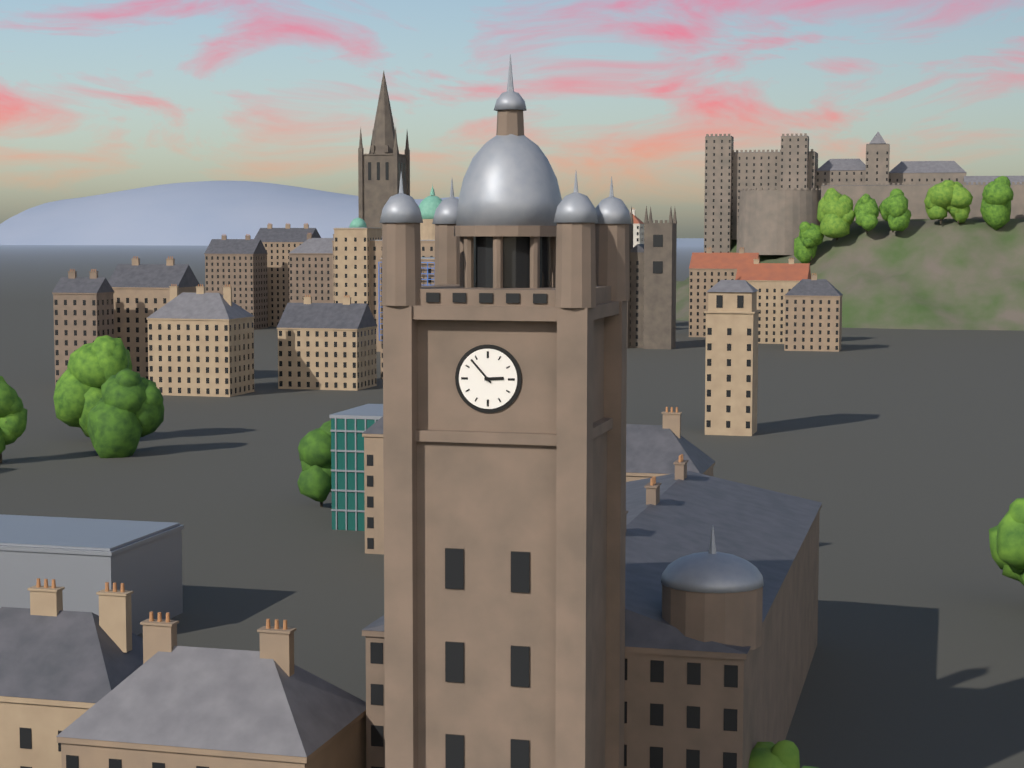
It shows 2,53
